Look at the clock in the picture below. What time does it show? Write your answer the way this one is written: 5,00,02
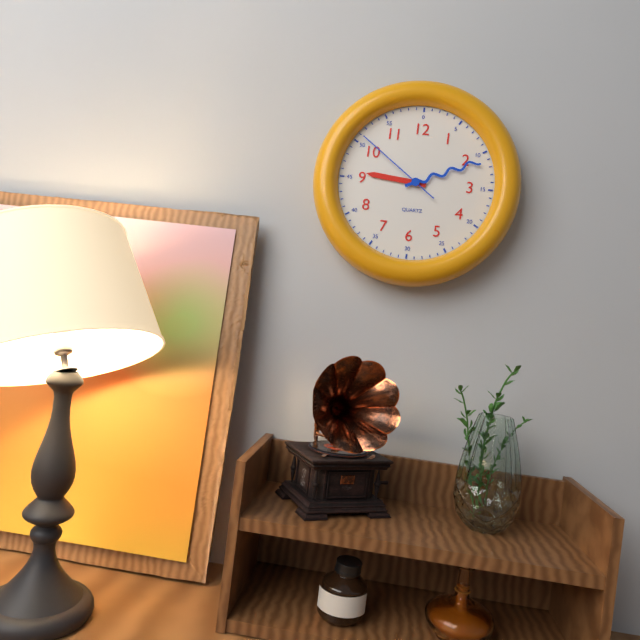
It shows 9,11,51
